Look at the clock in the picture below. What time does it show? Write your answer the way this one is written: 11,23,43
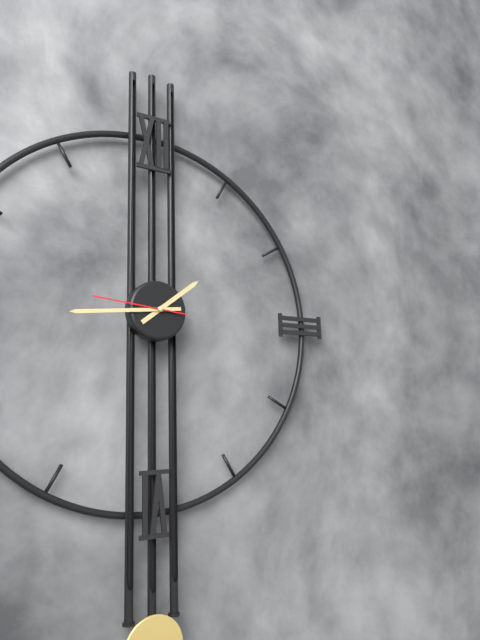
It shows 1,44,46
